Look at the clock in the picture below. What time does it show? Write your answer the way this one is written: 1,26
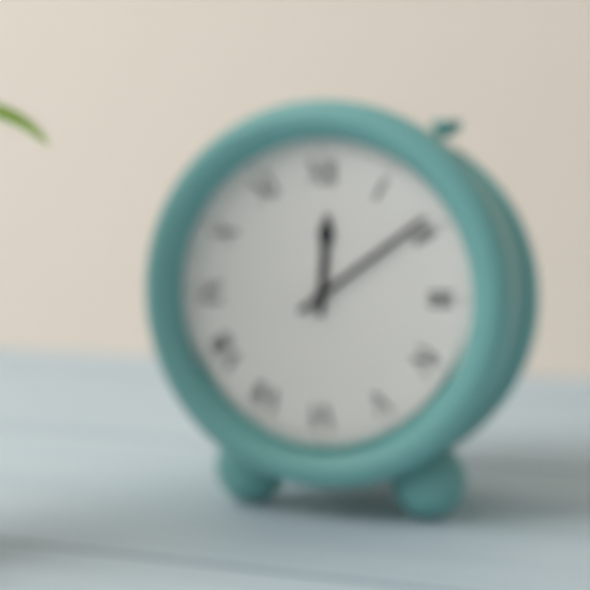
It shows 12,09
